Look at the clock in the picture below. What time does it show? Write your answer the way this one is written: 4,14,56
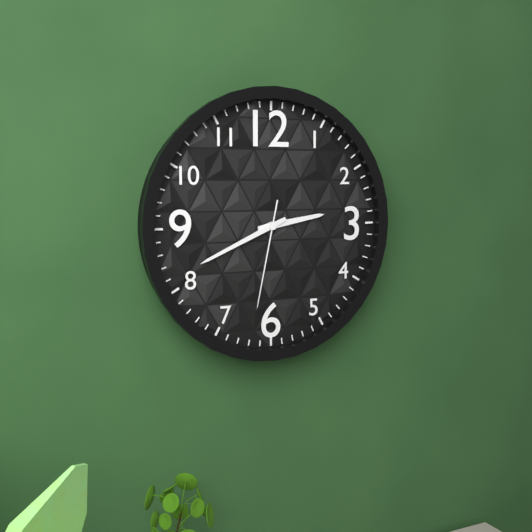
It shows 2,41,32
